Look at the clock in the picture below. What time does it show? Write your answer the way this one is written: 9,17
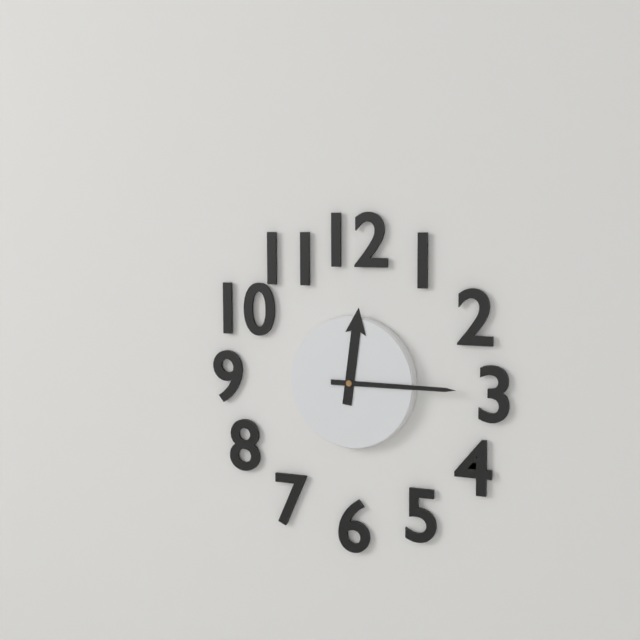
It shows 12,15
